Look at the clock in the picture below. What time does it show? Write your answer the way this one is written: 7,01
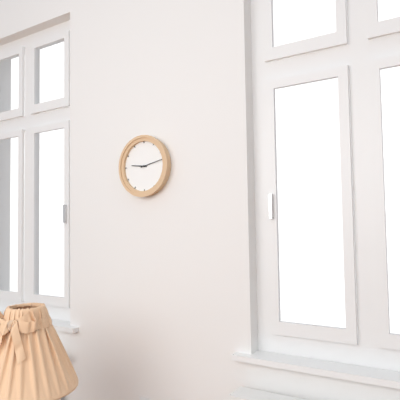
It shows 9,13
